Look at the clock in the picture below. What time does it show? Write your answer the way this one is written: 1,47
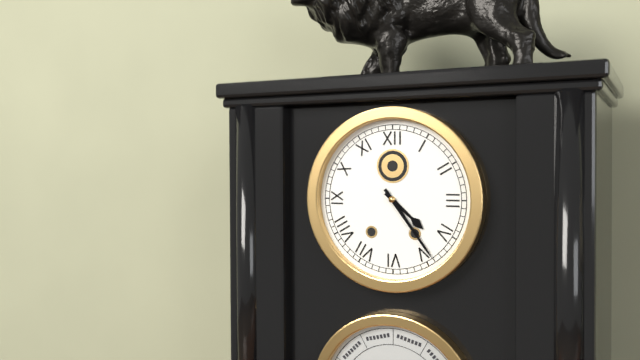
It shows 4,24
